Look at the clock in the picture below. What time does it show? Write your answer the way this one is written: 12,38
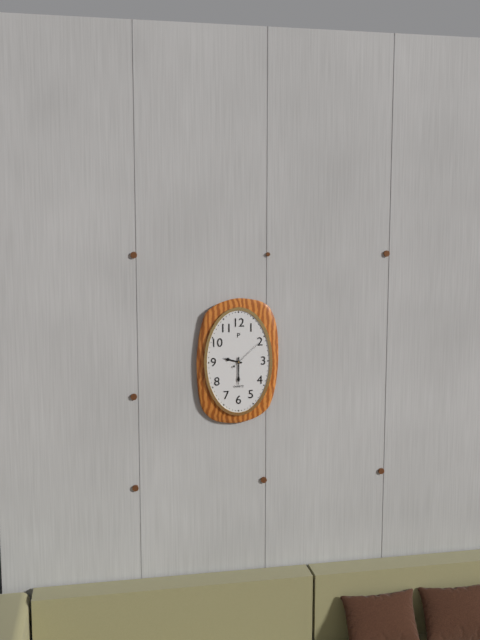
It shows 9,30
